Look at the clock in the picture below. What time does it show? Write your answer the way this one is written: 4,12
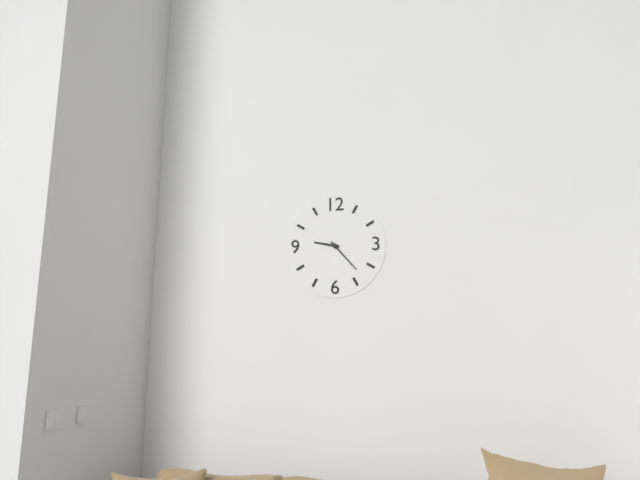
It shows 9,23
